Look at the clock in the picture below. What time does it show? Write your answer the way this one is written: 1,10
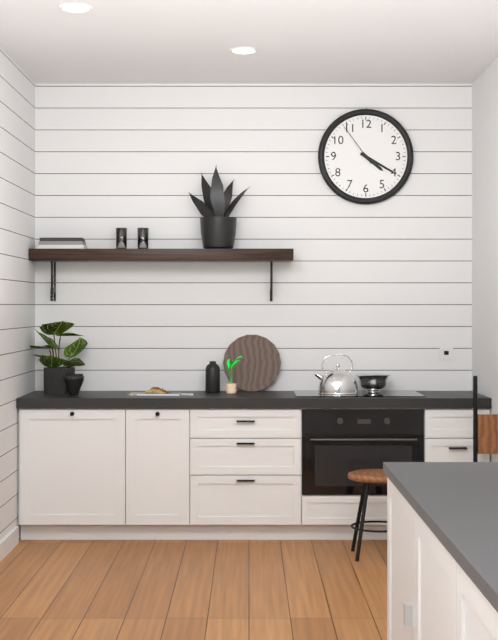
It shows 4,20
